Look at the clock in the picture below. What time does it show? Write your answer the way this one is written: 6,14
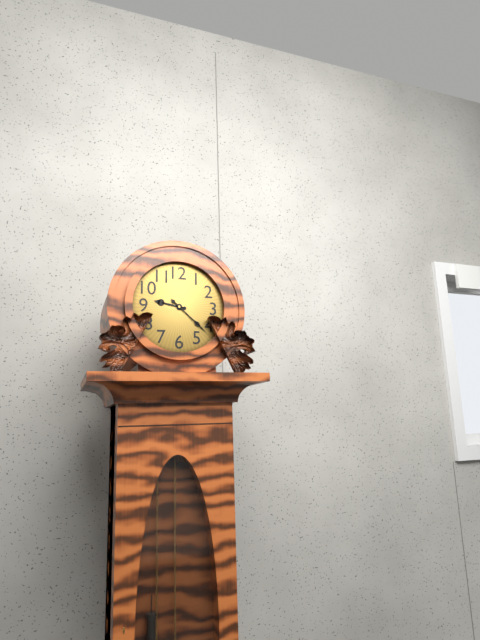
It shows 9,22
